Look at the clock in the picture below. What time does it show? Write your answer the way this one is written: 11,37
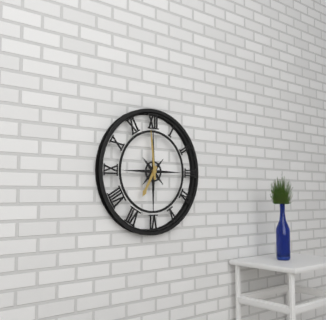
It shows 6,59
